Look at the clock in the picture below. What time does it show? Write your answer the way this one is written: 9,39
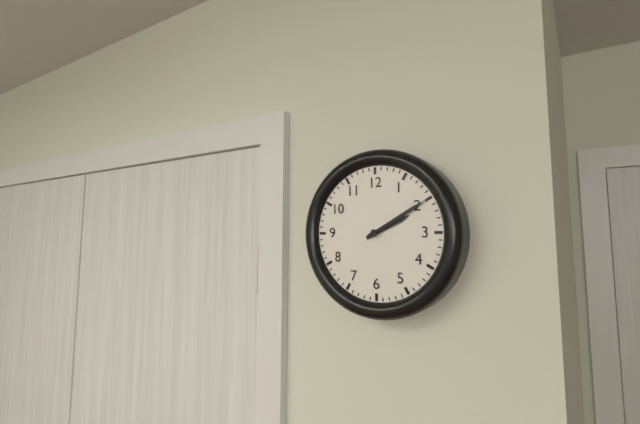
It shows 2,10
